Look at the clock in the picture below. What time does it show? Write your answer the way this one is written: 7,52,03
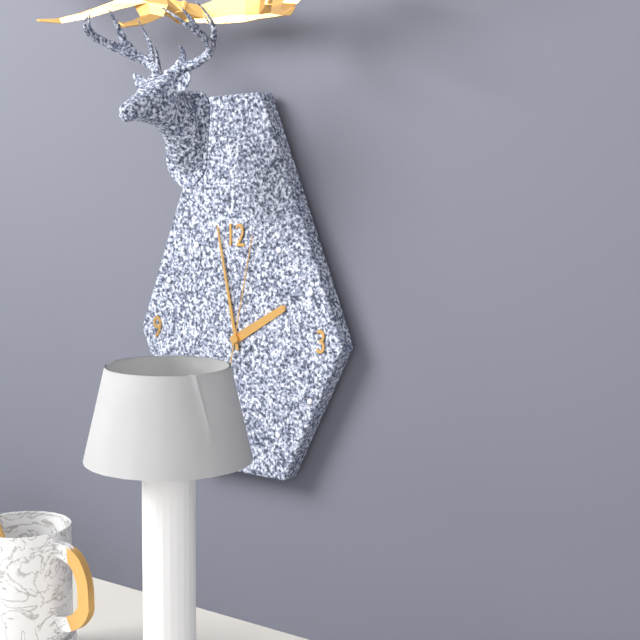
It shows 1,58,02
